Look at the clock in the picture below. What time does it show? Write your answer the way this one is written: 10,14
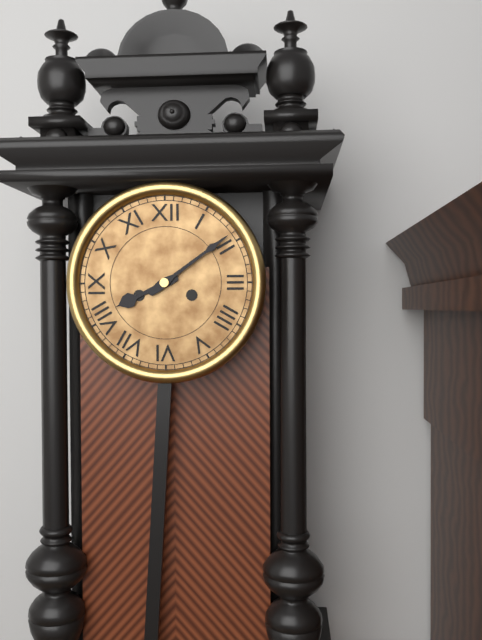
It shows 8,09
